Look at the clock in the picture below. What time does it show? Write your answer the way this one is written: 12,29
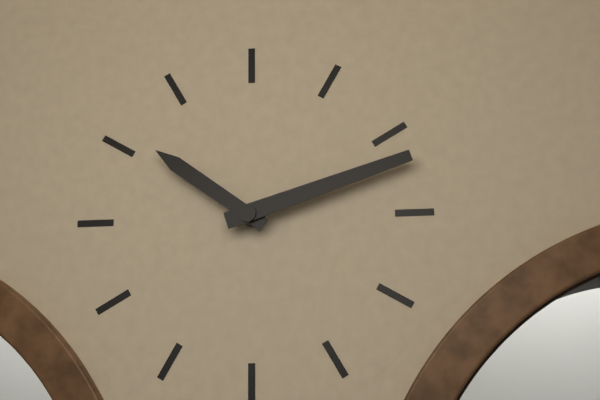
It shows 10,12
